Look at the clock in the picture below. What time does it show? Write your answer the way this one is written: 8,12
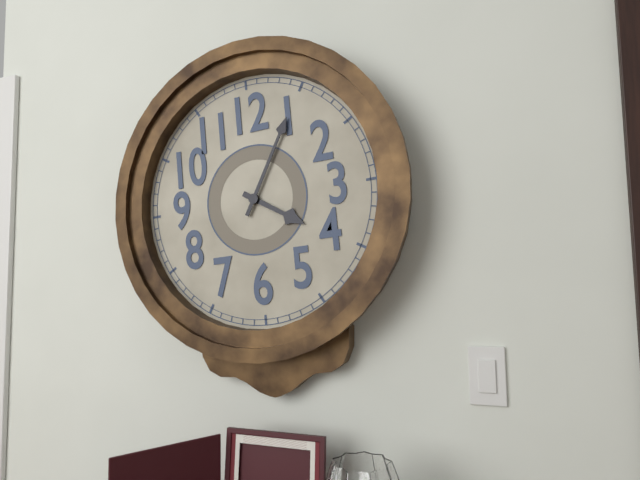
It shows 4,05
